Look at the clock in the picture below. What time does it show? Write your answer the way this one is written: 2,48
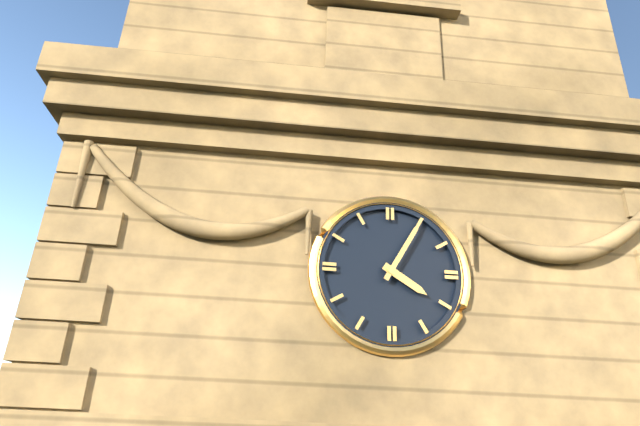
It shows 4,05
